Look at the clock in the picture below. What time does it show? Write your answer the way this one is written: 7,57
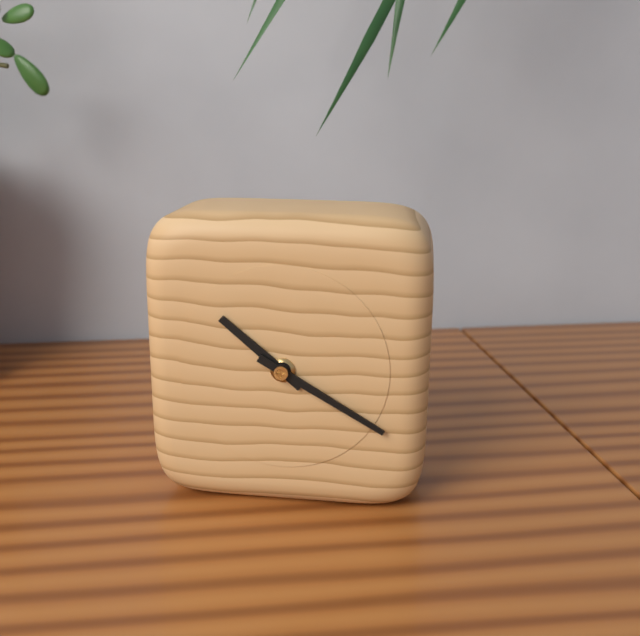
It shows 10,20
